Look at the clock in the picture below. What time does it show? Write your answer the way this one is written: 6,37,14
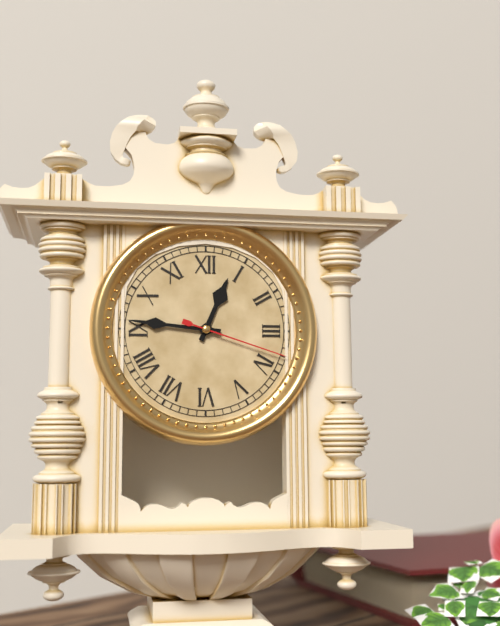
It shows 12,46,18
